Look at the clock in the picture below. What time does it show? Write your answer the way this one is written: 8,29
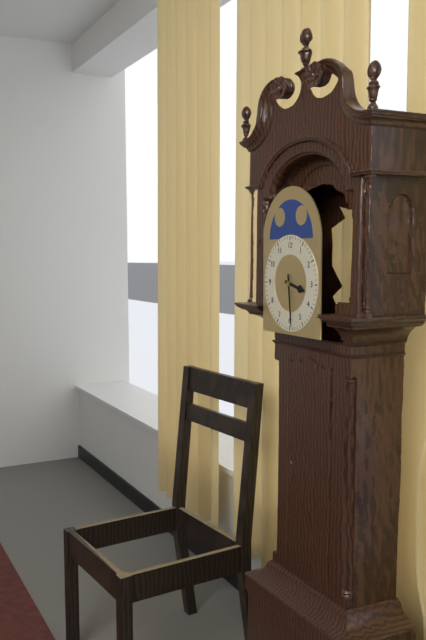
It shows 3,29
